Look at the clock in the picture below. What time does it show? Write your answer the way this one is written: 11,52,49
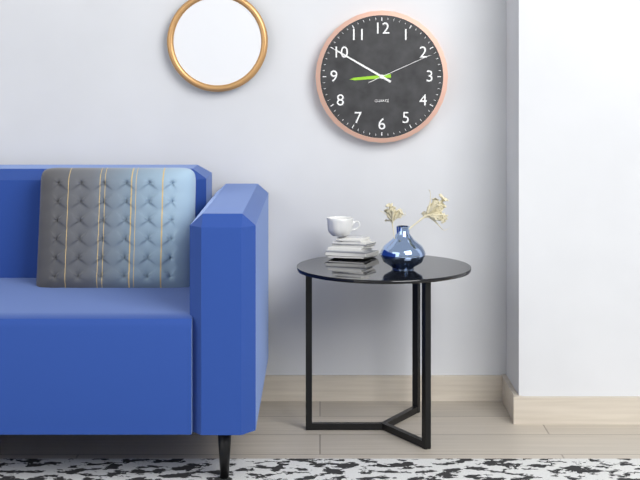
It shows 8,50,11
